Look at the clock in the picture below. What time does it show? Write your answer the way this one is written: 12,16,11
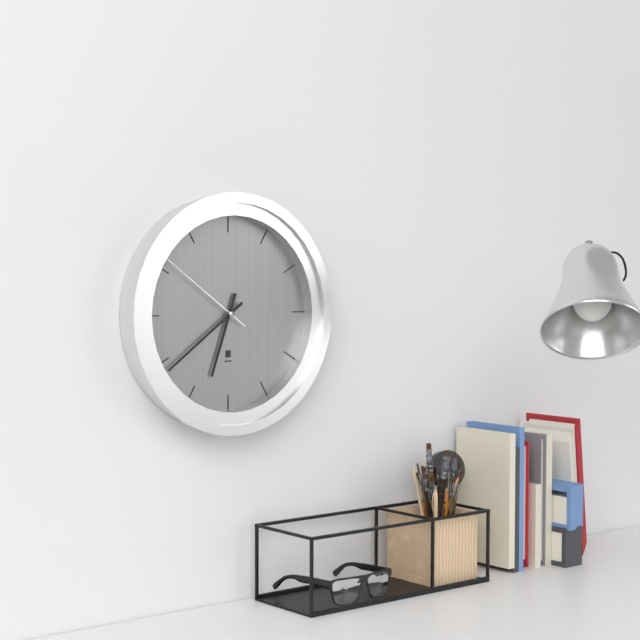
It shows 6,39,51
